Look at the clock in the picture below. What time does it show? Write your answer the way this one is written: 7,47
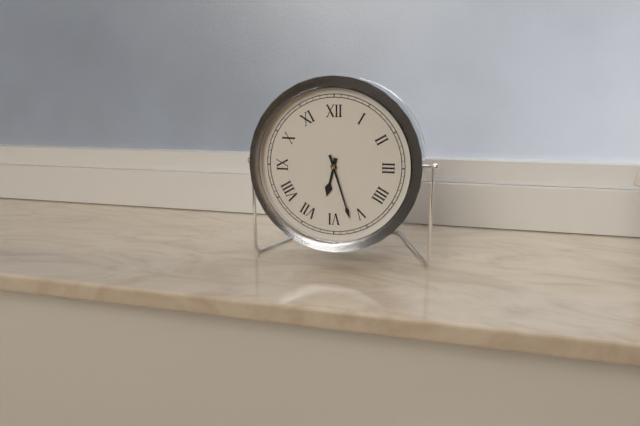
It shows 6,27
